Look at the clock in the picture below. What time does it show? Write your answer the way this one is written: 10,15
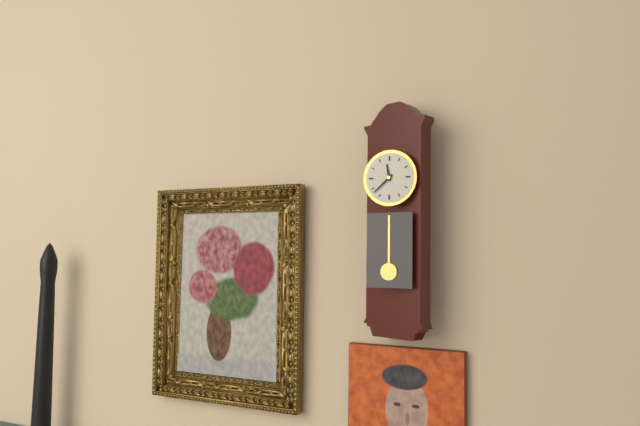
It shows 11,38
